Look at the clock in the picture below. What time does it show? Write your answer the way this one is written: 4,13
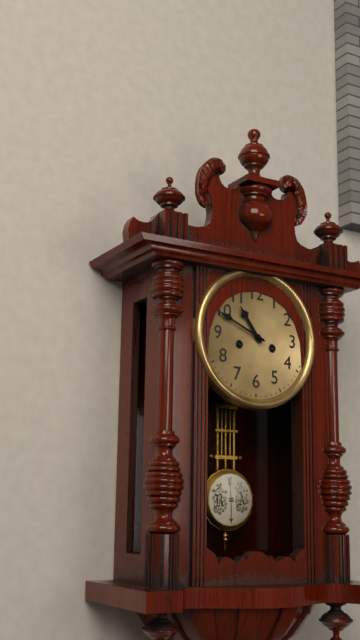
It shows 10,49
